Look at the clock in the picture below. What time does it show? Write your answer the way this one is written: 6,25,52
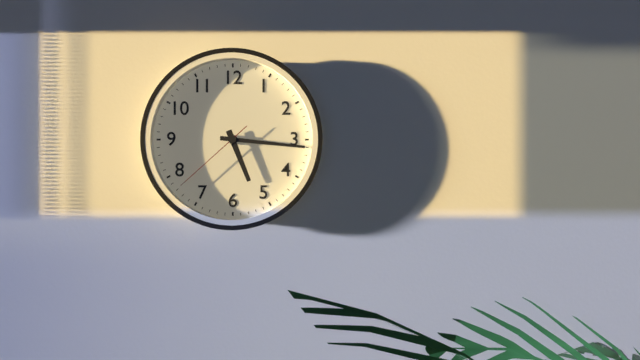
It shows 5,16,38
